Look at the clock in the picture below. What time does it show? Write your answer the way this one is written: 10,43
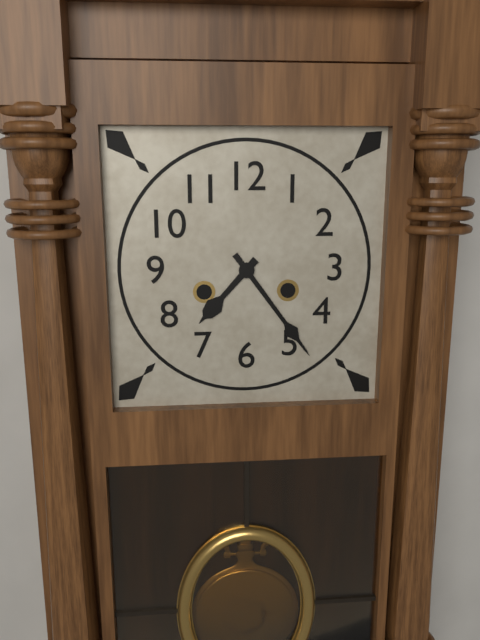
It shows 7,24
